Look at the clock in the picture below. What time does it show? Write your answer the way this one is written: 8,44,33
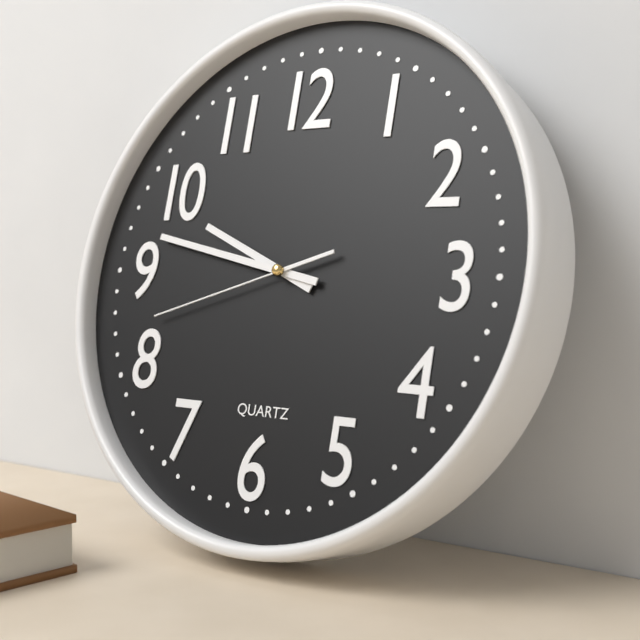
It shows 9,47,42
